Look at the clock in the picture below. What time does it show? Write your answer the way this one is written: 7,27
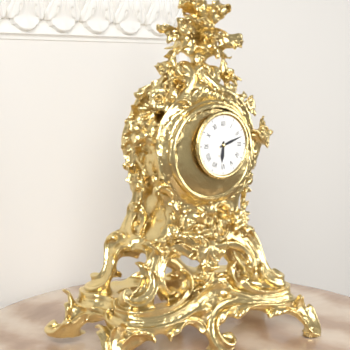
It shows 6,12
